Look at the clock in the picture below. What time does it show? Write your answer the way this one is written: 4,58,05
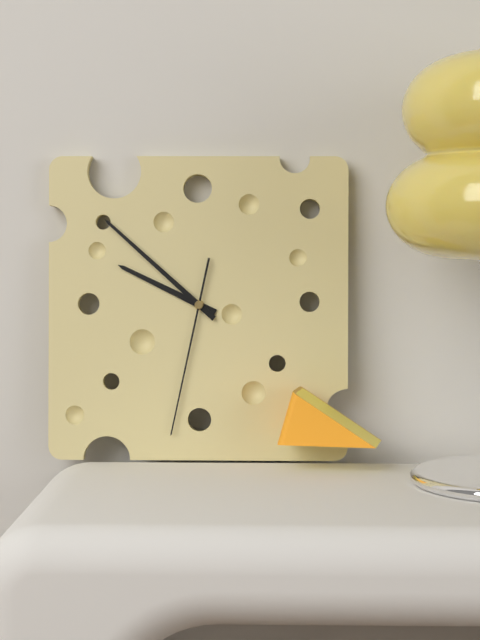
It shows 9,52,32
